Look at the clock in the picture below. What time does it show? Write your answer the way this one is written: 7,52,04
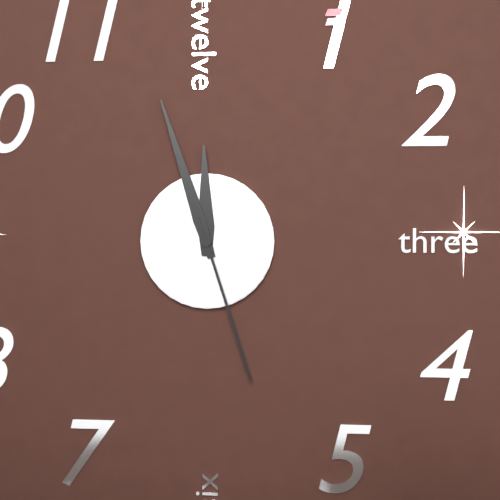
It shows 11,57,27
